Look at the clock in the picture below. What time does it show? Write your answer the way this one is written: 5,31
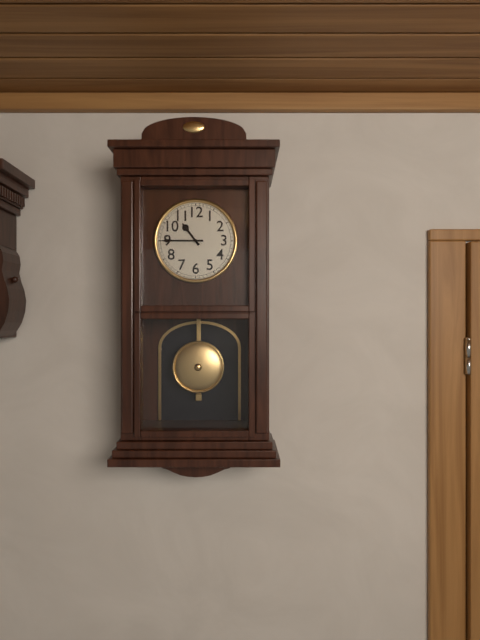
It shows 10,45
